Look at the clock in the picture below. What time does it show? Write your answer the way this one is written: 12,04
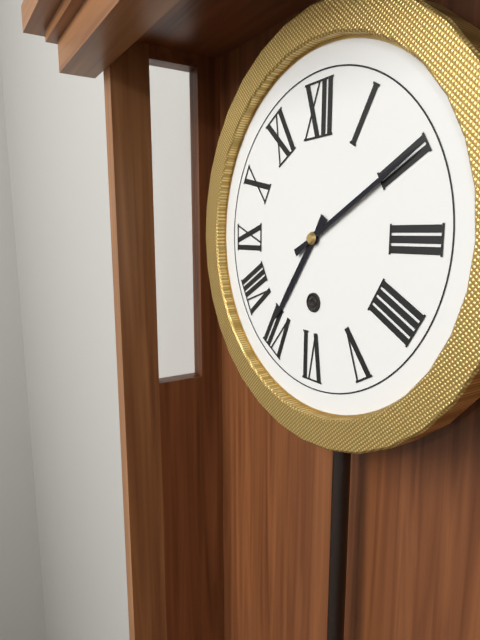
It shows 7,10
